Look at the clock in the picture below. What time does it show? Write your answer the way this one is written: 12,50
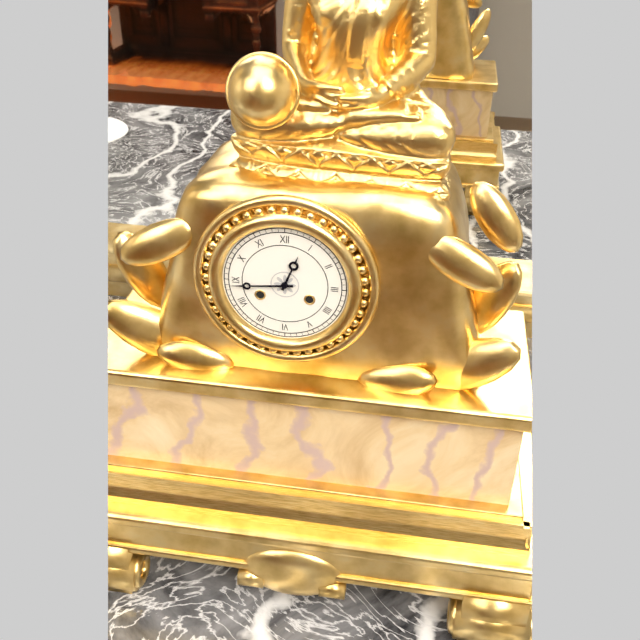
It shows 12,44
